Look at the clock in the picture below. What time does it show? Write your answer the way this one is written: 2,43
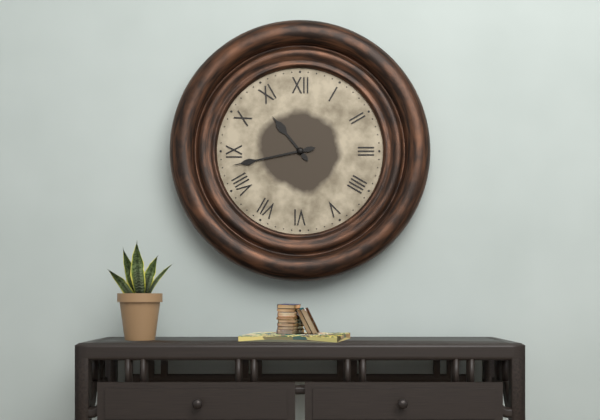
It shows 10,43
